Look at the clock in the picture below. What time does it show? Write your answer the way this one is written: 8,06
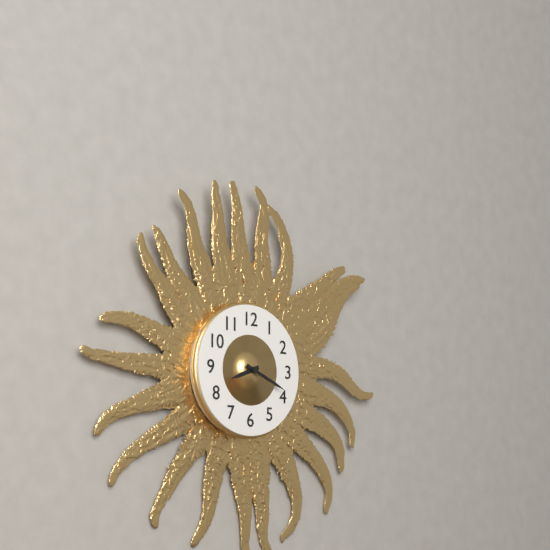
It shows 8,19
